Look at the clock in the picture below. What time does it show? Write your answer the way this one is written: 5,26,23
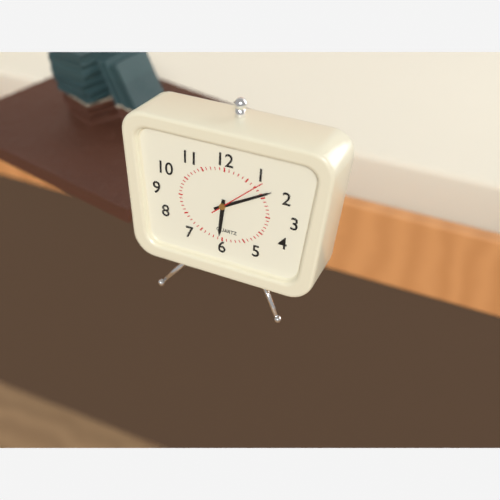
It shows 6,10,08
